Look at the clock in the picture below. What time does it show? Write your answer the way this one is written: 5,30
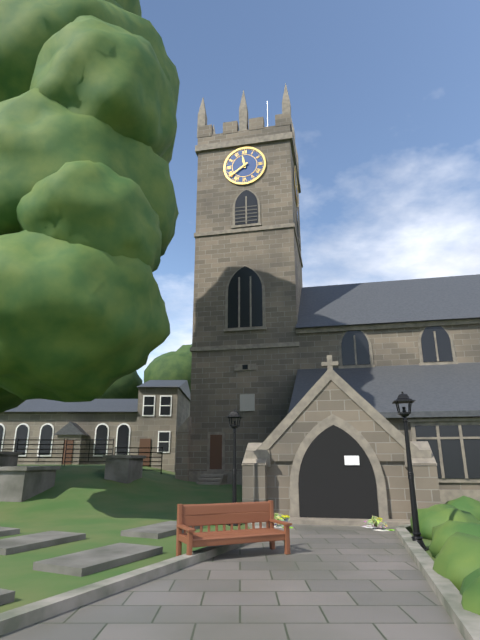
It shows 11,39
